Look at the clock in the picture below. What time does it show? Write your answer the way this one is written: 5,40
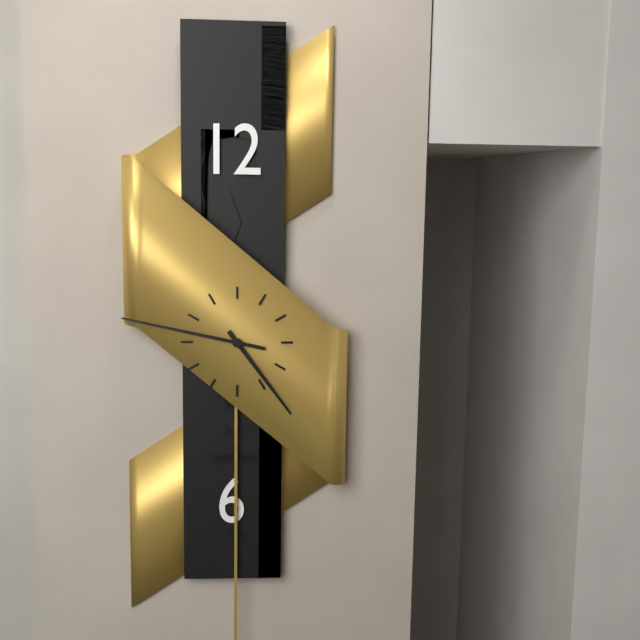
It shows 4,47
